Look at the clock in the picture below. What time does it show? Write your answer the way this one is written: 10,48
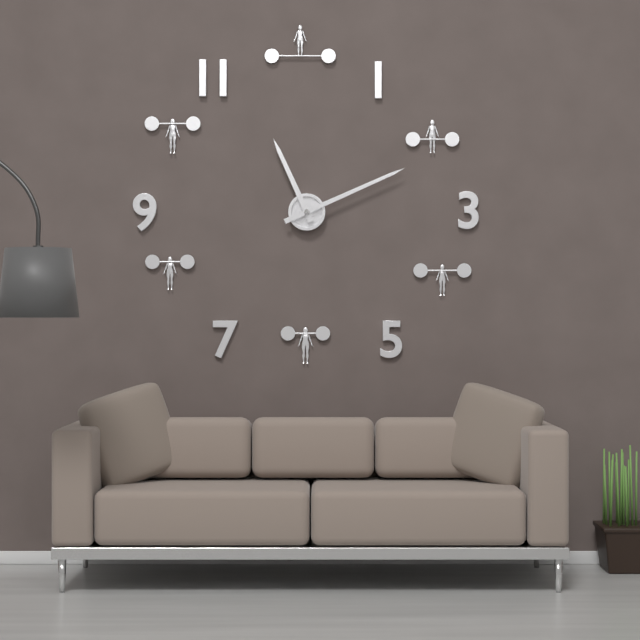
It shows 11,11
